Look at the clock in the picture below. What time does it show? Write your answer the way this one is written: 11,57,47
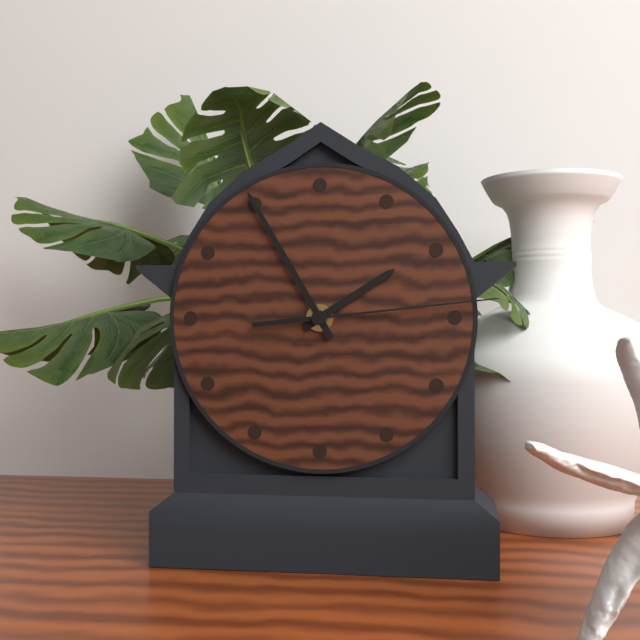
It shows 1,55,14
